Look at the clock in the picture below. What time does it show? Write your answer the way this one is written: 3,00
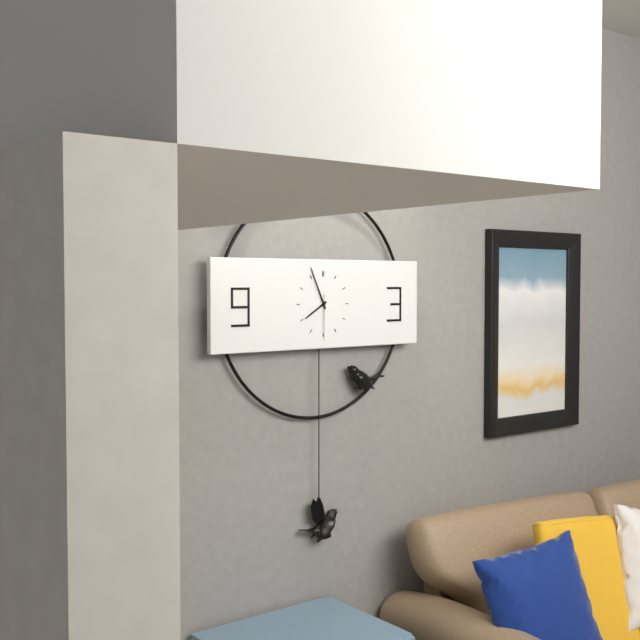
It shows 7,56
